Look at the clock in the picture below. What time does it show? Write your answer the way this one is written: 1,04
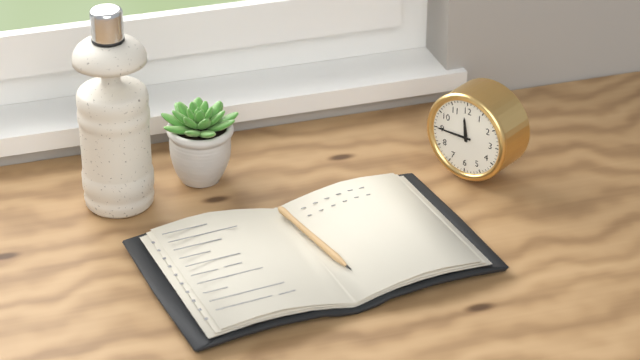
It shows 11,45
